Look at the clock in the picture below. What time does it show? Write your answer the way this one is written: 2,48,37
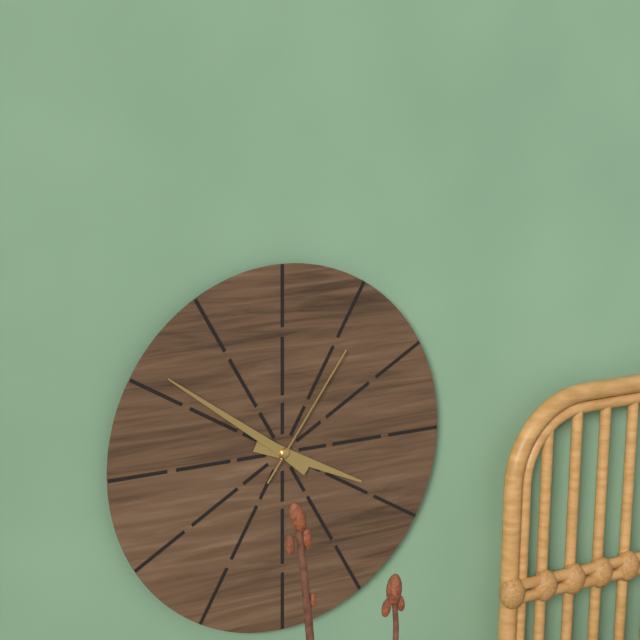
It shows 3,51,06
